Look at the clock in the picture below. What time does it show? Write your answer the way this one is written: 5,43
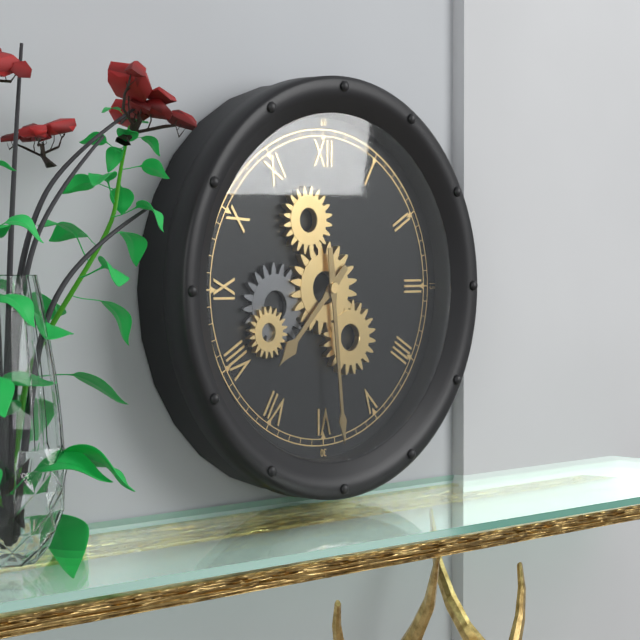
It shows 7,29
